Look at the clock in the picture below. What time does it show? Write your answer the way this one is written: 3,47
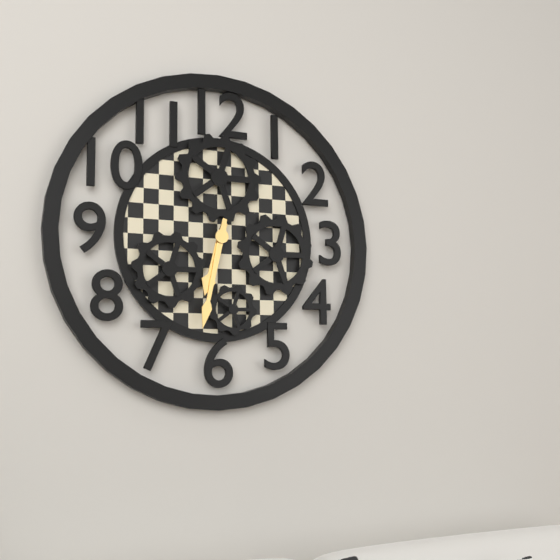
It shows 6,32
